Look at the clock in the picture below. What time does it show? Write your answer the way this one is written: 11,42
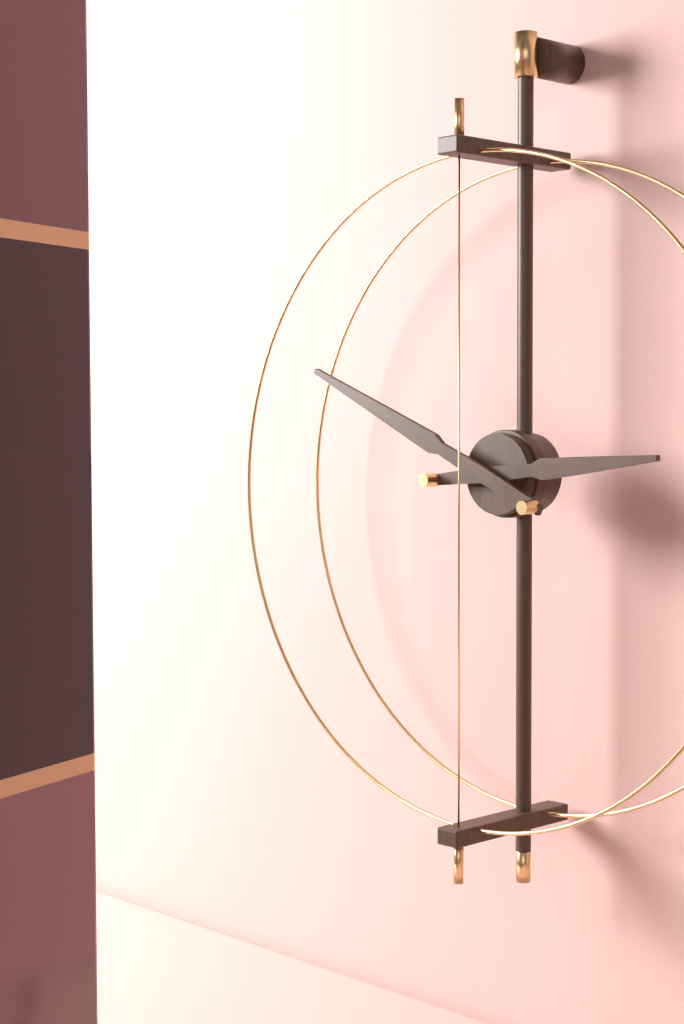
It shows 2,49
